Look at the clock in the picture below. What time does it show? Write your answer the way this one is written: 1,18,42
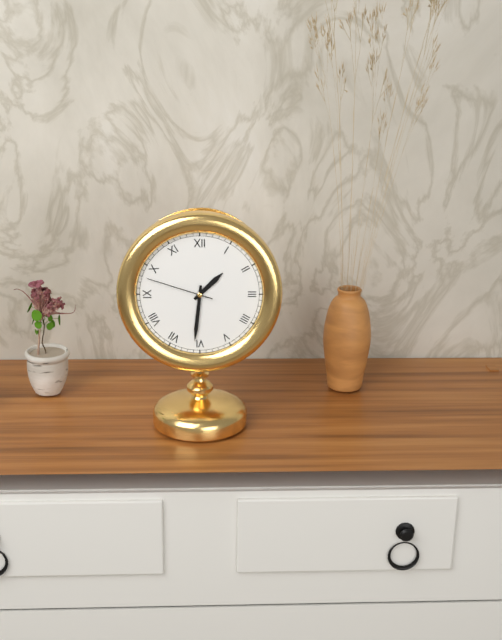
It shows 1,31,48
